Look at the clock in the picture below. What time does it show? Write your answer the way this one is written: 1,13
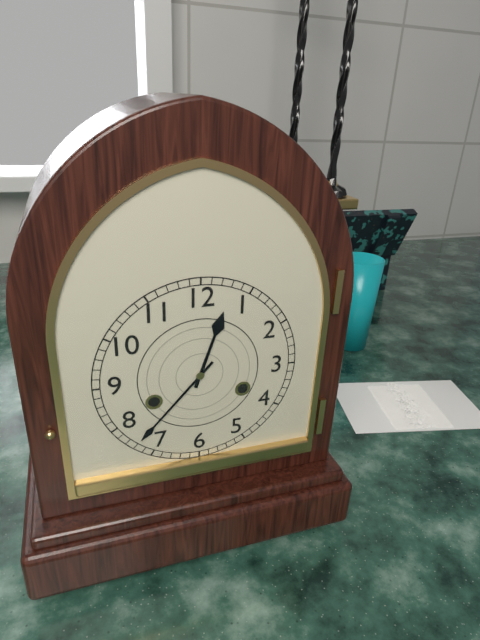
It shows 12,37
